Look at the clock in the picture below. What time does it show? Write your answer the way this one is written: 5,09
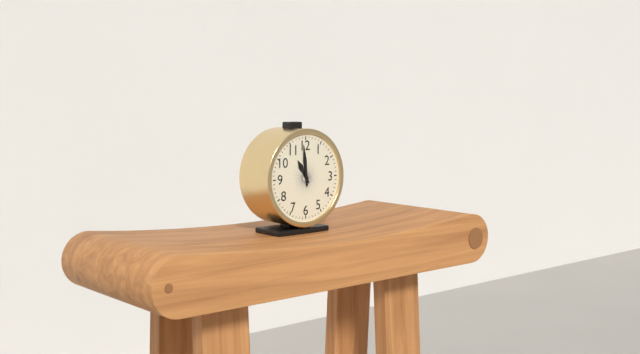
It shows 10,59
